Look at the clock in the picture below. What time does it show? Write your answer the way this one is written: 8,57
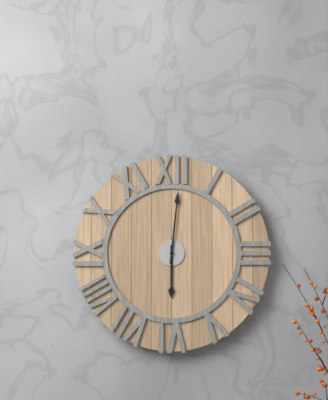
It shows 6,01
